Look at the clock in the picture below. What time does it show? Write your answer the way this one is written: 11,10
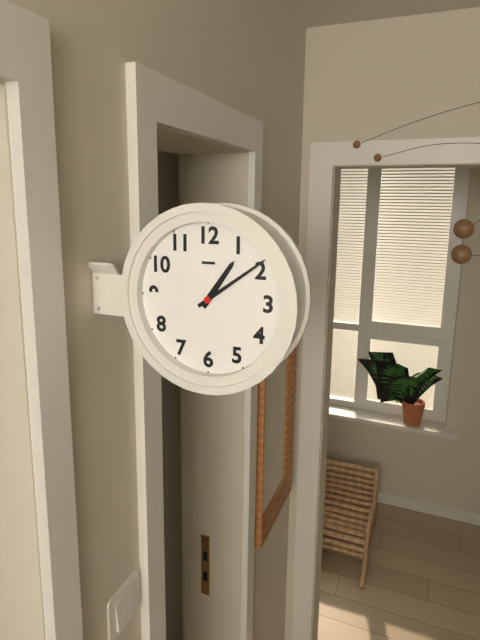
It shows 1,09
